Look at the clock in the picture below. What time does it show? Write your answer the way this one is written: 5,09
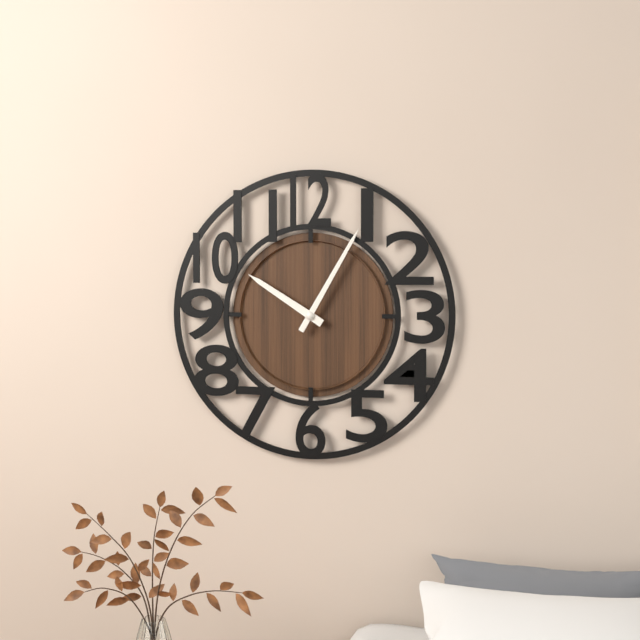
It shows 10,05
